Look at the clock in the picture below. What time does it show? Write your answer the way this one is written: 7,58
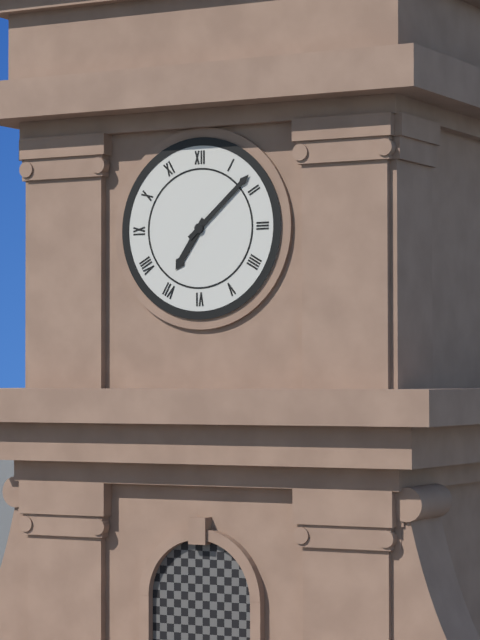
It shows 7,08
